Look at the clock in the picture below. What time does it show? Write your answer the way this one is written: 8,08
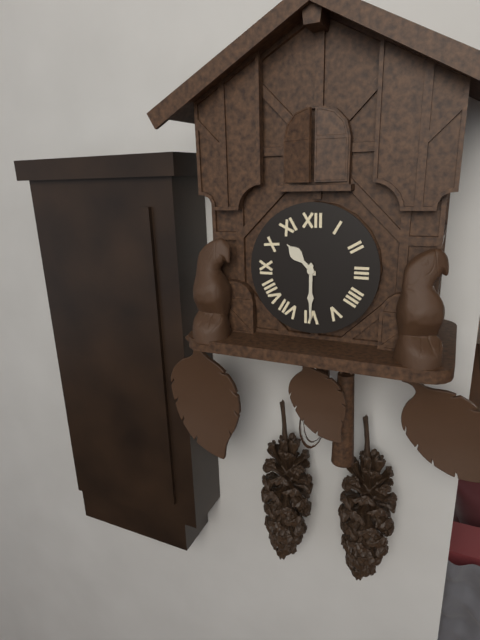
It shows 10,30
